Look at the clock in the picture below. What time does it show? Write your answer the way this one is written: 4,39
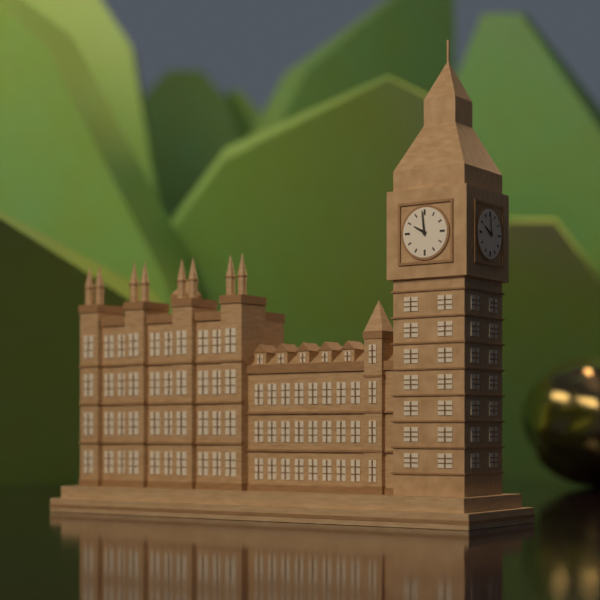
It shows 9,59
